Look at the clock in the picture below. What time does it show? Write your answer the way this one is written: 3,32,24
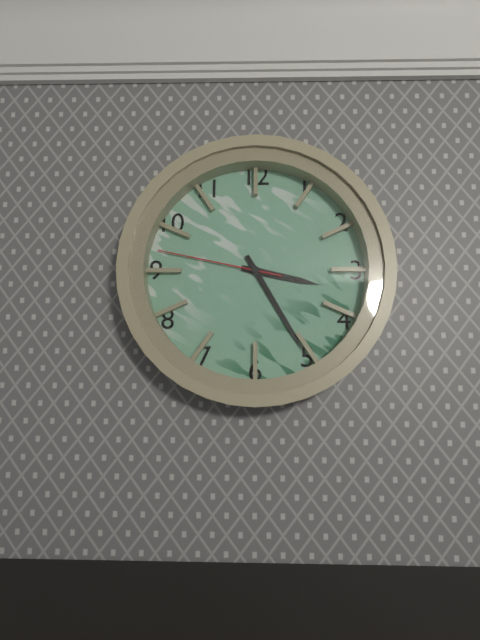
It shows 3,25,47
